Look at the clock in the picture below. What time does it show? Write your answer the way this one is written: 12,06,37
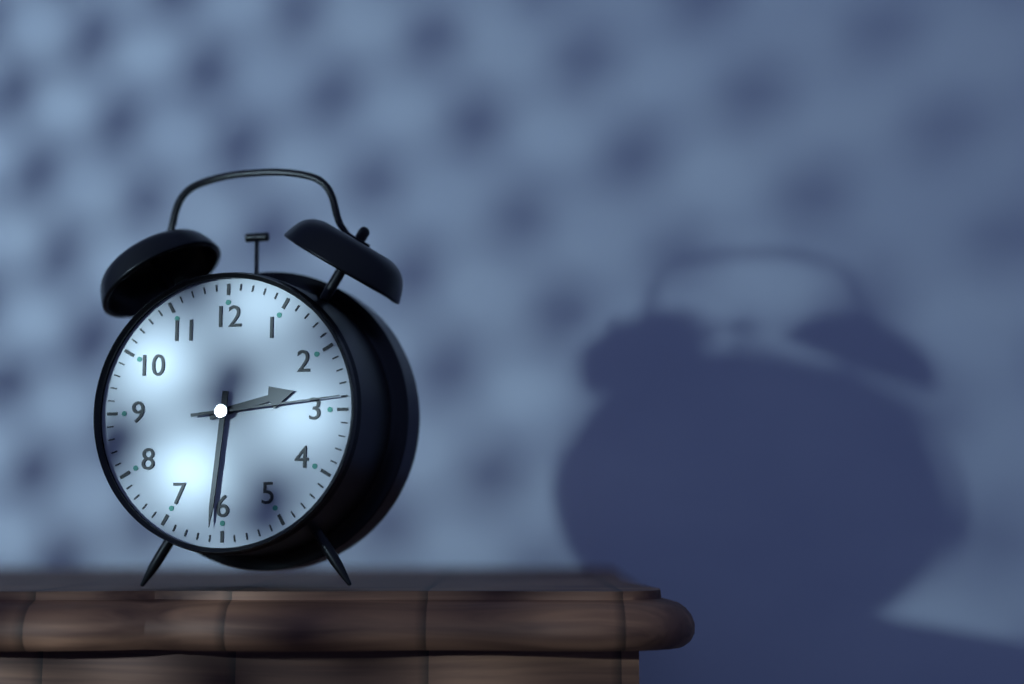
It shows 2,31,14
